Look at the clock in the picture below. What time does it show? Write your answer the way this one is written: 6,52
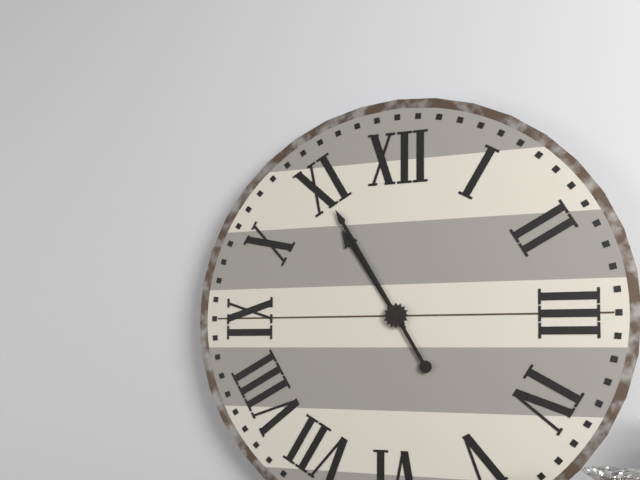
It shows 10,55
